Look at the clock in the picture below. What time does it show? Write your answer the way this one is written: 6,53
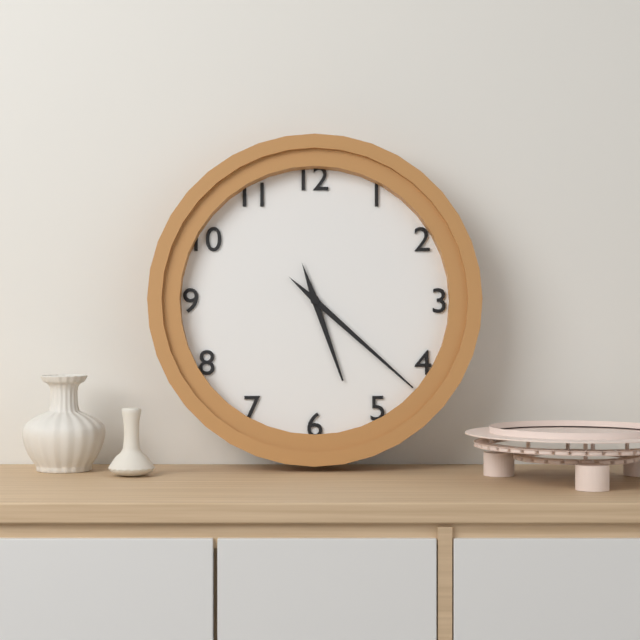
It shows 5,22
